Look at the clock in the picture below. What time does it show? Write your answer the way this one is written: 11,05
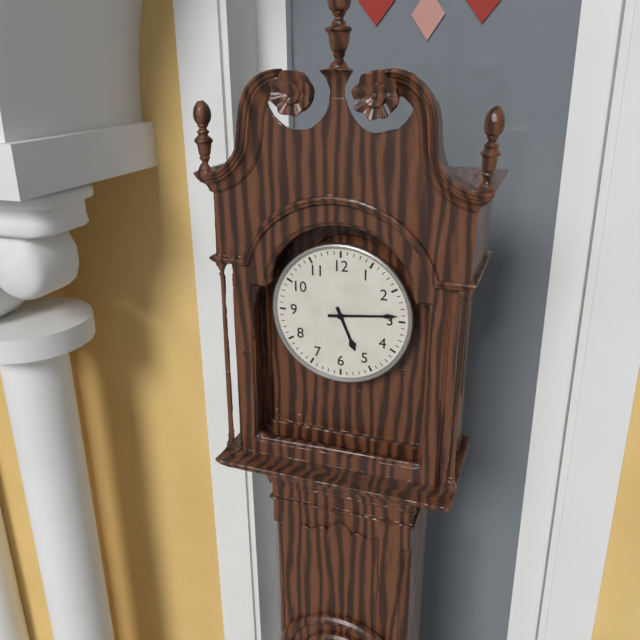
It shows 5,14
